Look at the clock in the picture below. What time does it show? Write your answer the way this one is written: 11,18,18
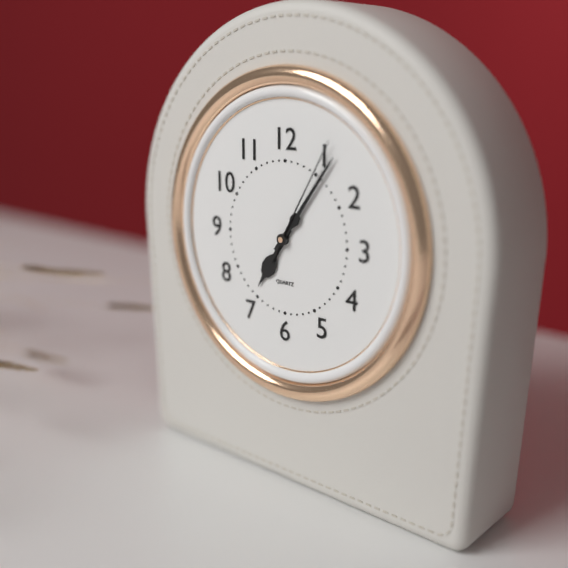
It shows 7,06,05
